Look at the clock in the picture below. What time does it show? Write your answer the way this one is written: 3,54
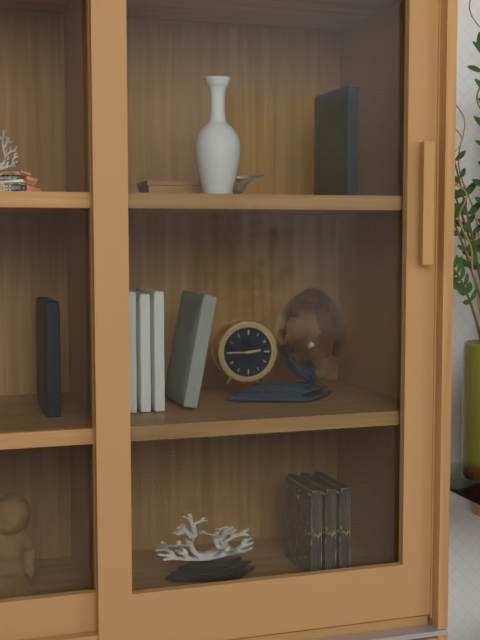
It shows 2,45
